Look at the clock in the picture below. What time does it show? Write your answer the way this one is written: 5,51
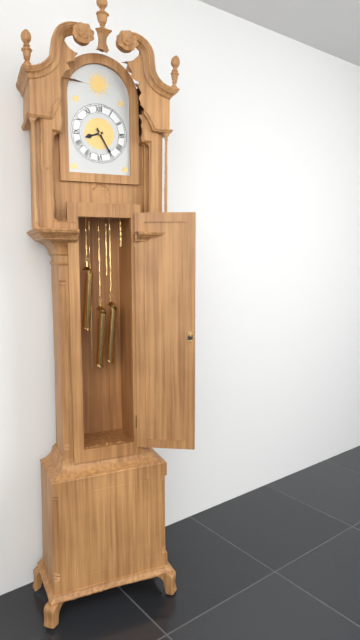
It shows 8,25
